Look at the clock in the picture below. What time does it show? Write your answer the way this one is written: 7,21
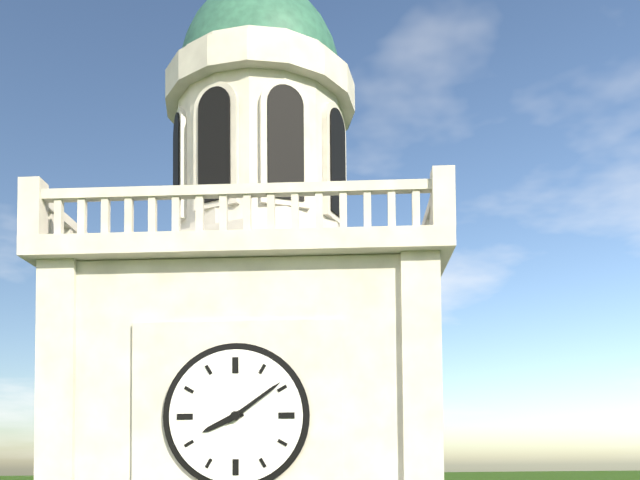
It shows 8,09
